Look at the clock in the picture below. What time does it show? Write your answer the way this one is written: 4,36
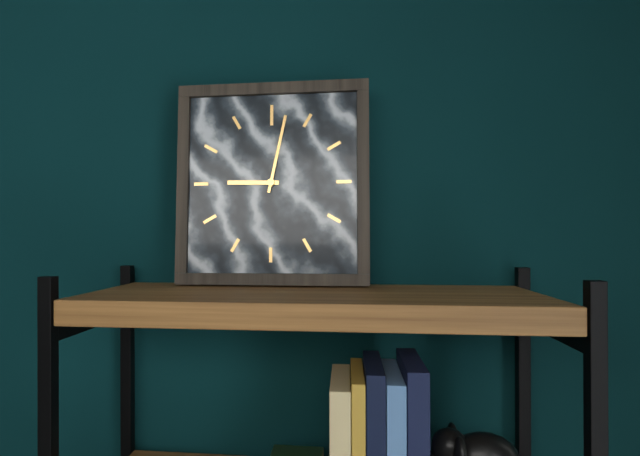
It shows 9,02
